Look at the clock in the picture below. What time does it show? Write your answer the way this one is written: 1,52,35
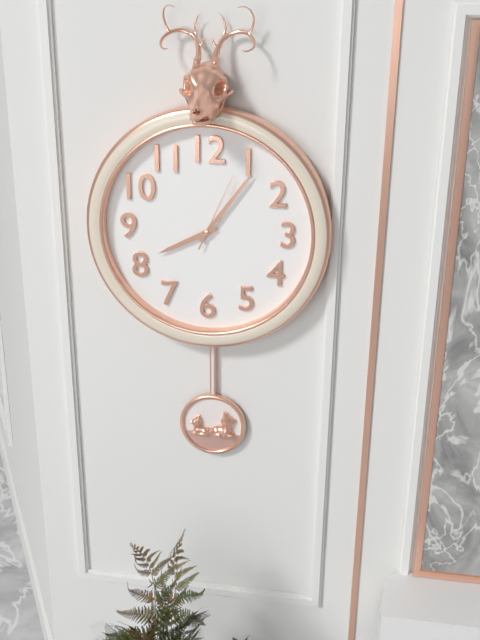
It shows 8,06,04
